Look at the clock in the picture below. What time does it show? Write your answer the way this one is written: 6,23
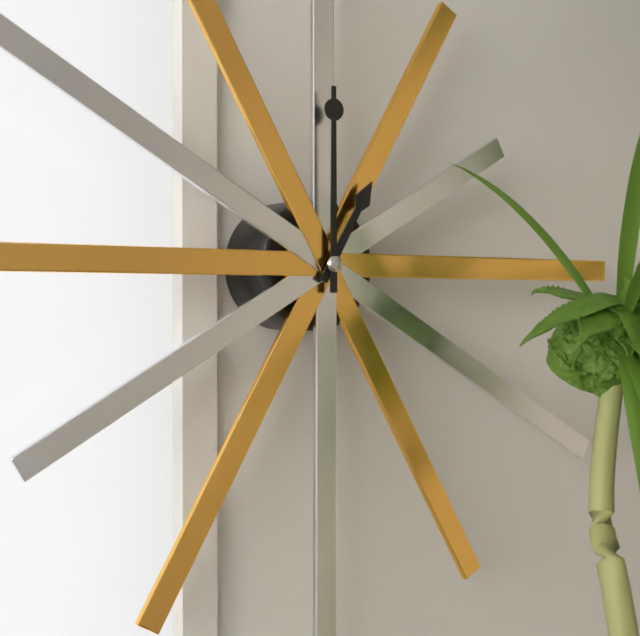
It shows 1,00
